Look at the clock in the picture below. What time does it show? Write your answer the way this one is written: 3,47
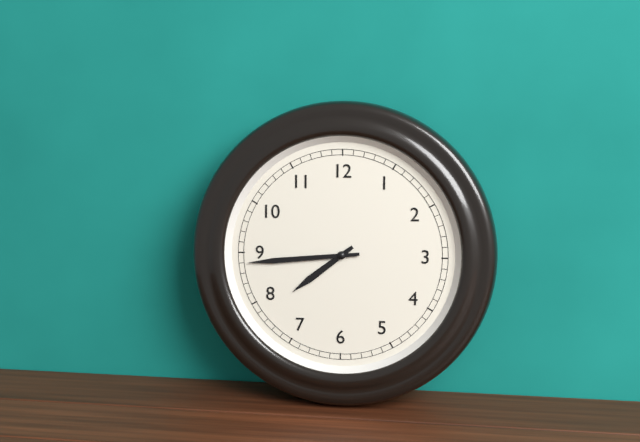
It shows 7,44
